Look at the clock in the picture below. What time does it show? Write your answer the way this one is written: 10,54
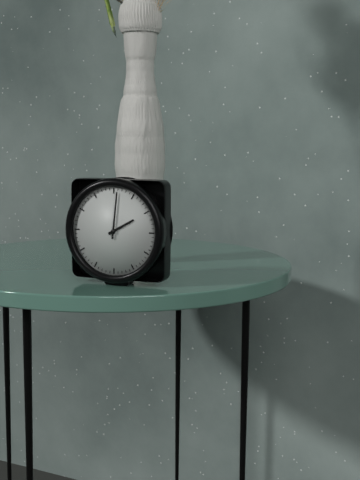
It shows 2,01
